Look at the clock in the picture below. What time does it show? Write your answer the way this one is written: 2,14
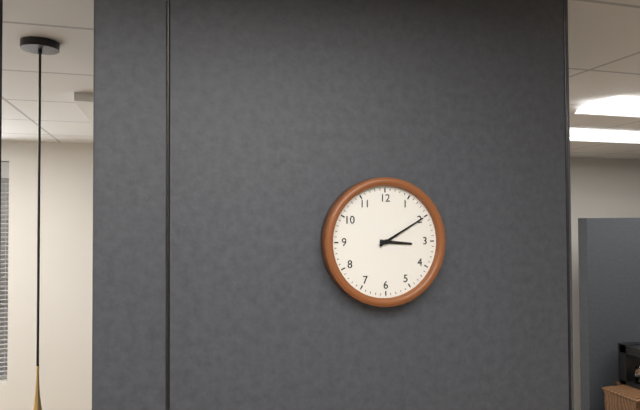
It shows 3,10
